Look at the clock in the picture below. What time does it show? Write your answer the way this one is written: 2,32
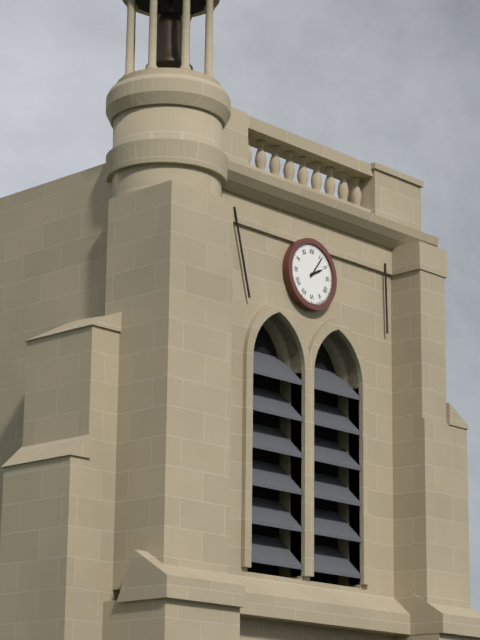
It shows 2,06
